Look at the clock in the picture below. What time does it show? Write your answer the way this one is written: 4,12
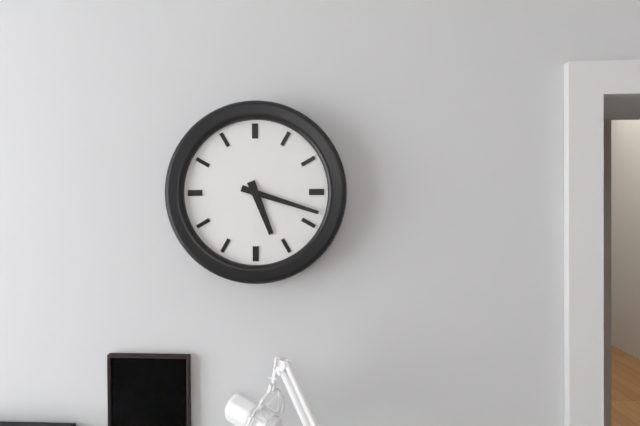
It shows 5,18
